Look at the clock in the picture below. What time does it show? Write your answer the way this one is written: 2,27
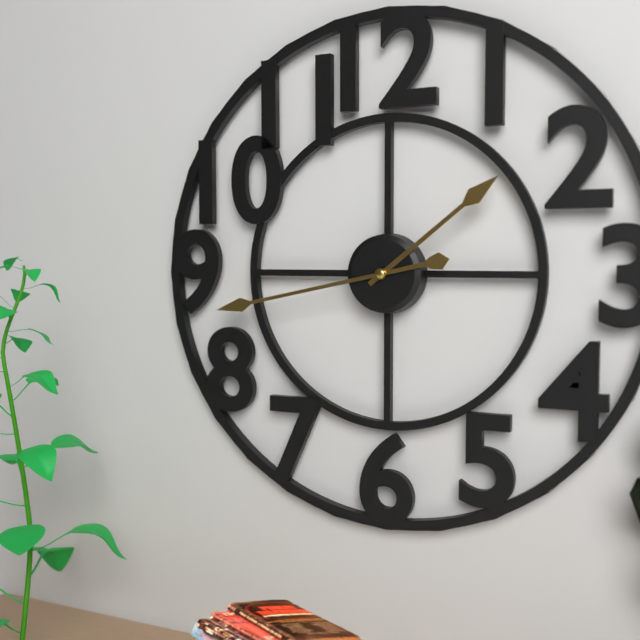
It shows 1,43
